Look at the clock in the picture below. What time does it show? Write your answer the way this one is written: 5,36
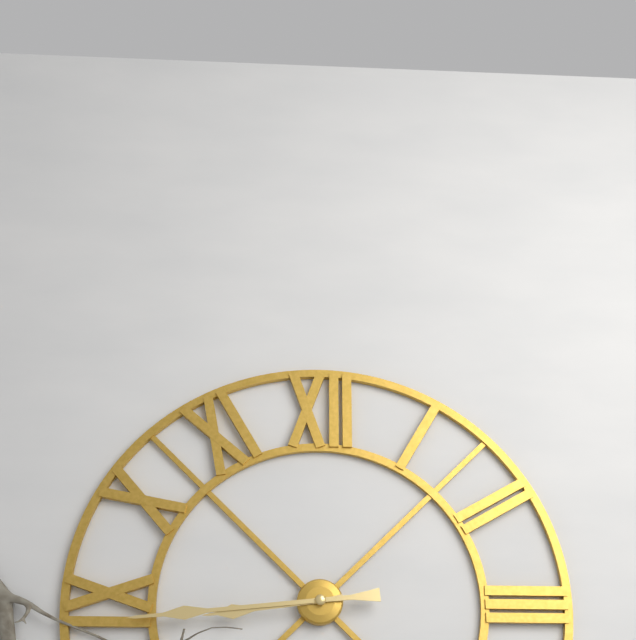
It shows 8,44
